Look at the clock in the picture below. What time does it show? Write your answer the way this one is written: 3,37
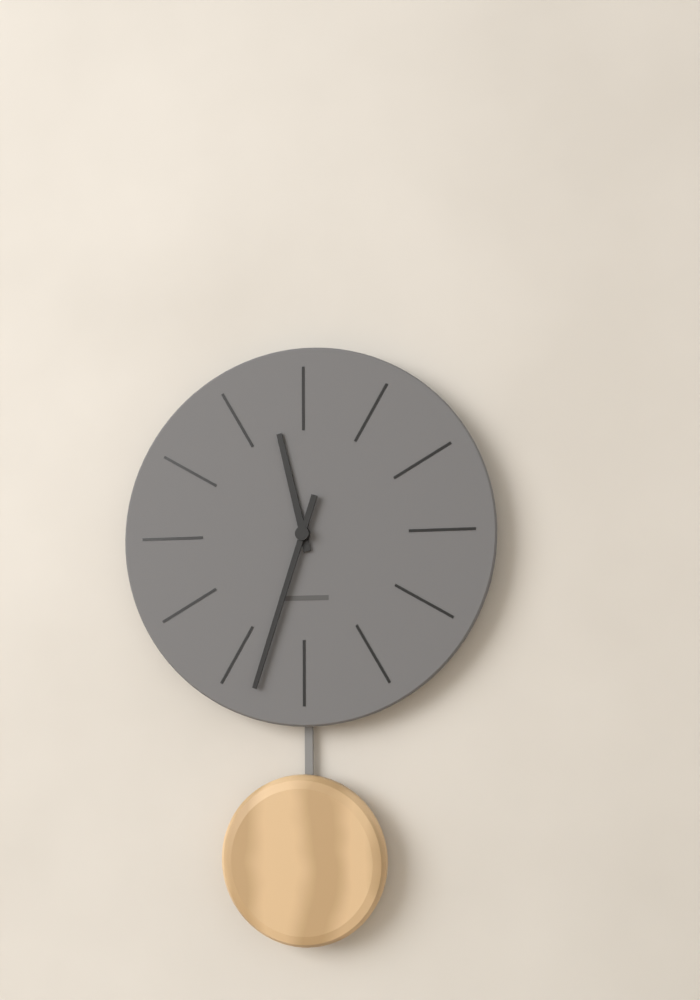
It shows 11,33
